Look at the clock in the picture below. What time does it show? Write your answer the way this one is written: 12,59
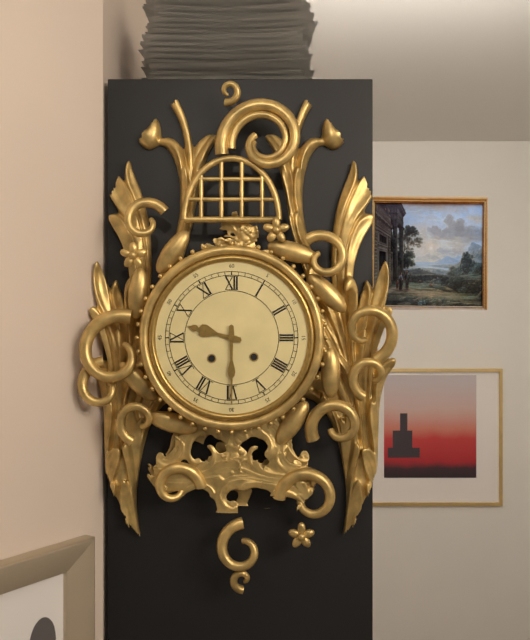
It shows 9,30
